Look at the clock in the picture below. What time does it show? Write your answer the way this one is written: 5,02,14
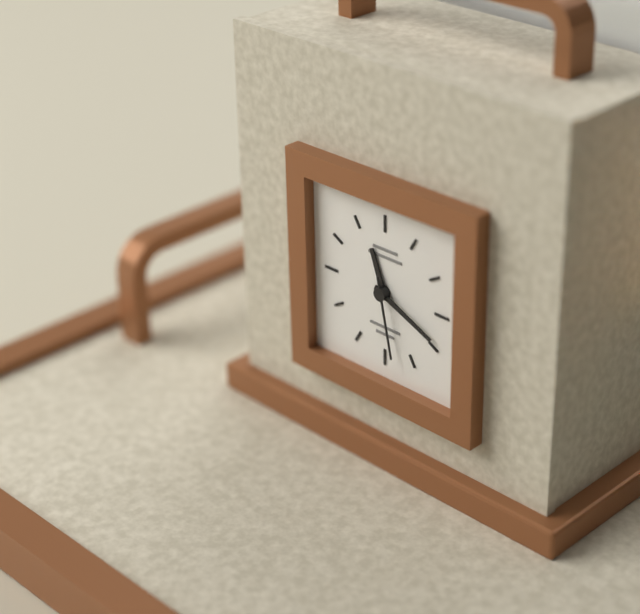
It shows 11,19,28
